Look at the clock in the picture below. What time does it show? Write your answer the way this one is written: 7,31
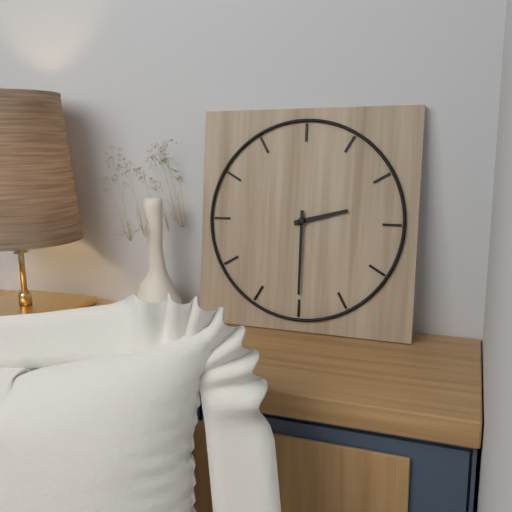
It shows 2,30
